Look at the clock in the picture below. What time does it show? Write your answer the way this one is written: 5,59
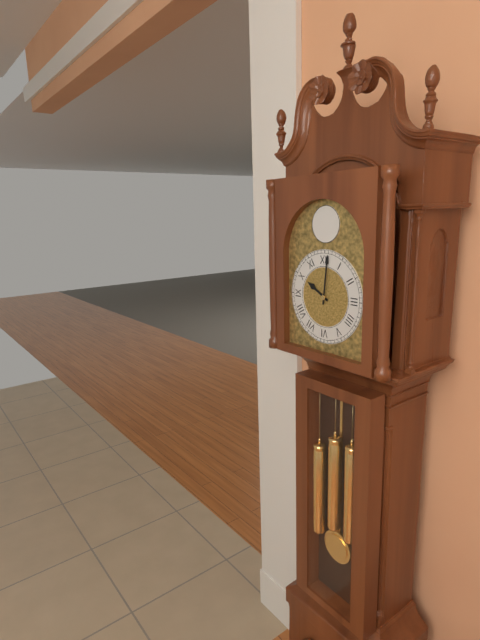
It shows 10,01
